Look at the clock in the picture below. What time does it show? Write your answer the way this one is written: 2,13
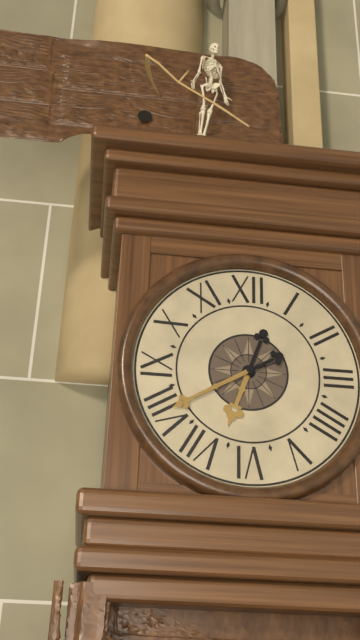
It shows 6,40
